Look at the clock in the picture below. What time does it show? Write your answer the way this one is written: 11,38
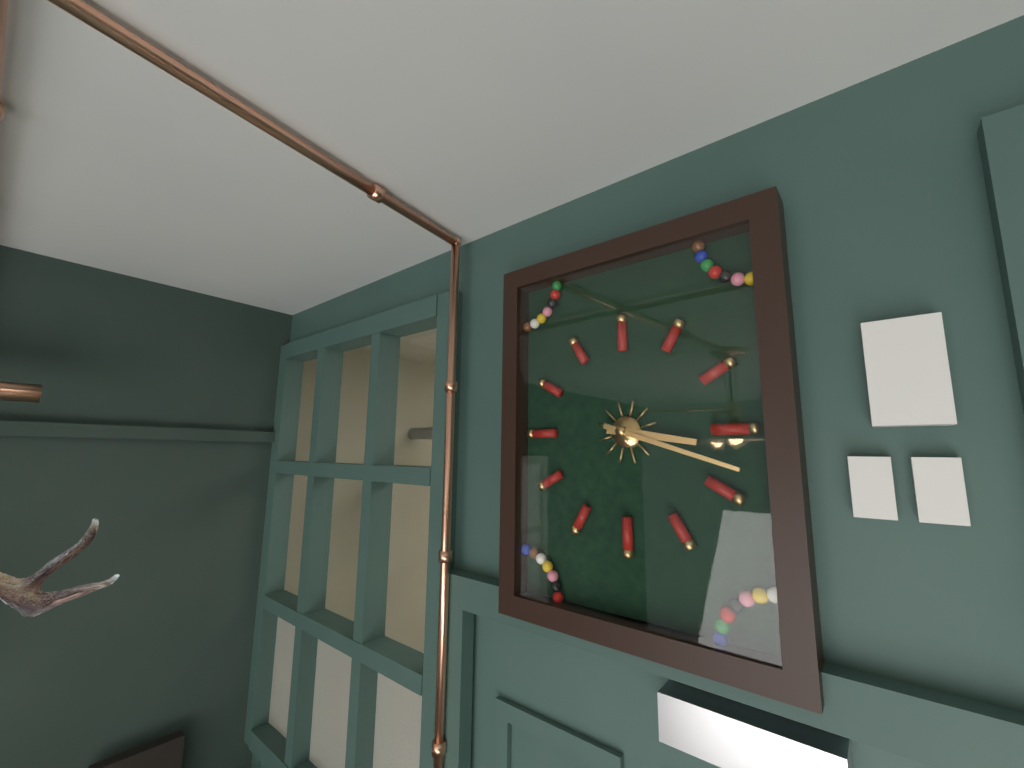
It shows 3,18
